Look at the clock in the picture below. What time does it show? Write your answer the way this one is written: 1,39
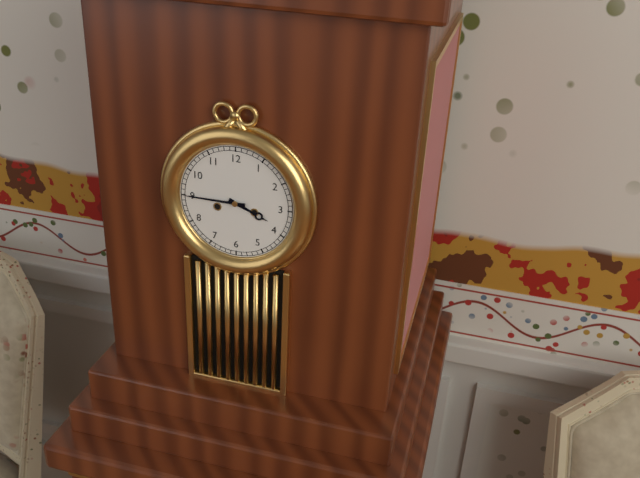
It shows 3,45
